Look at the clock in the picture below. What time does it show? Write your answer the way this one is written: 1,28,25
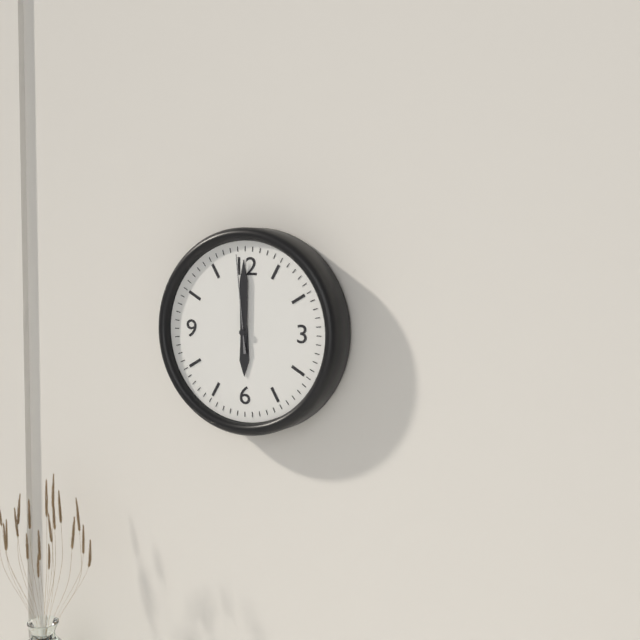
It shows 6,00,59
